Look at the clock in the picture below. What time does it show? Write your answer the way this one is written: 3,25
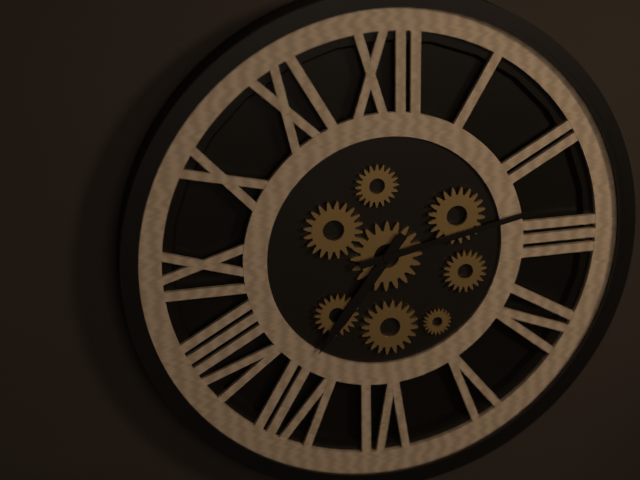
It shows 7,13
